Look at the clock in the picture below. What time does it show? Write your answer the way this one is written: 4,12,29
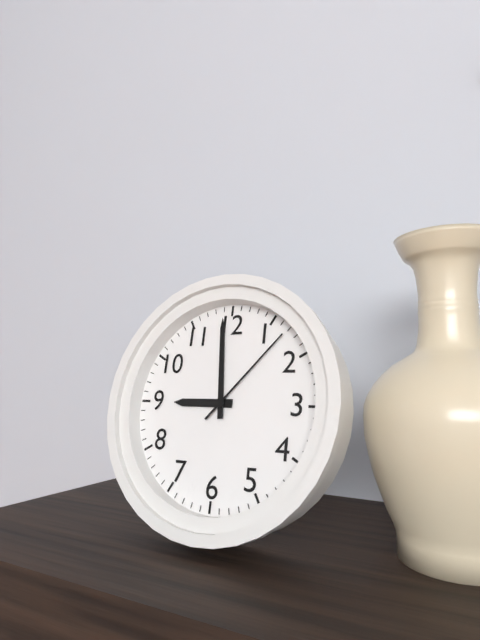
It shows 8,59,07
